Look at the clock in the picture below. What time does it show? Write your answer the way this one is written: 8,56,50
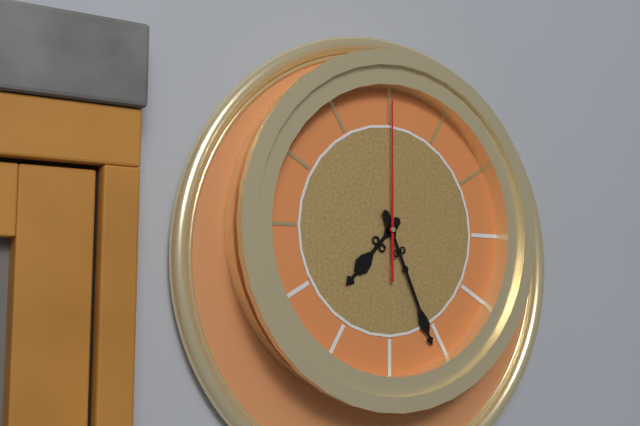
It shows 7,26,00
